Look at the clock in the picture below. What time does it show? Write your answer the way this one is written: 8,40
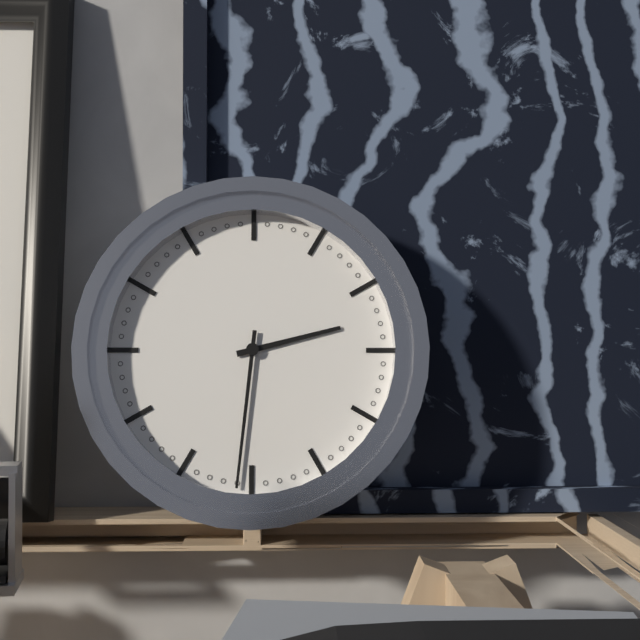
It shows 2,31
